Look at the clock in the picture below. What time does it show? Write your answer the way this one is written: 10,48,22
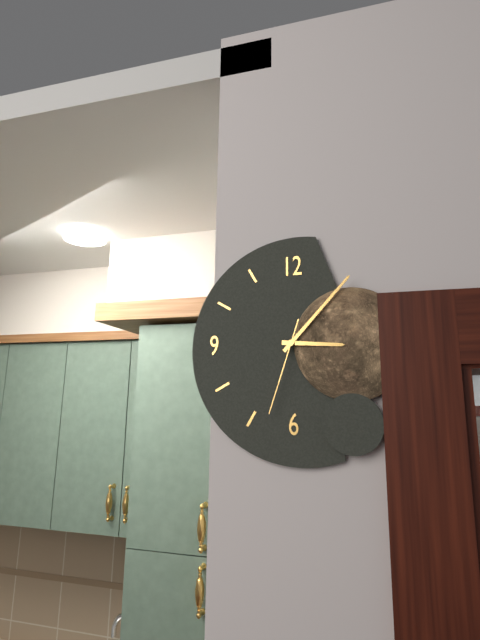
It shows 3,07,33
